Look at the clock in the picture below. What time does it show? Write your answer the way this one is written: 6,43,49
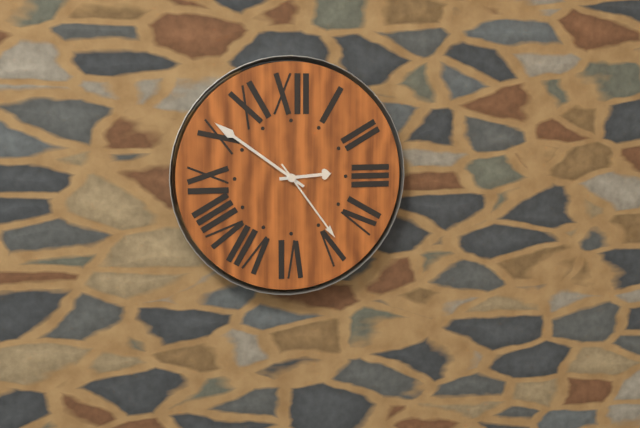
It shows 2,51,24
